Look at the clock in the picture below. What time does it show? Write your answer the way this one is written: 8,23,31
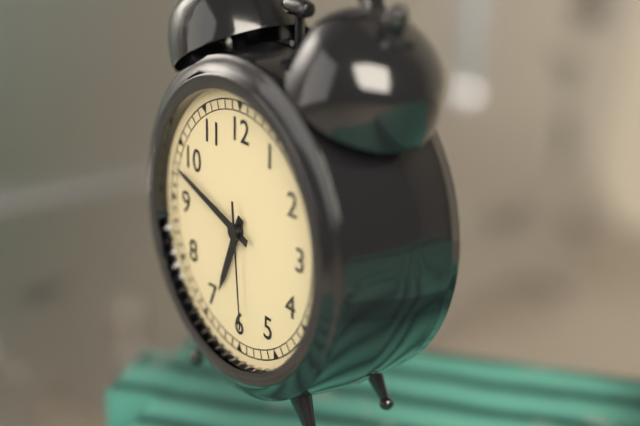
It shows 6,48,29
